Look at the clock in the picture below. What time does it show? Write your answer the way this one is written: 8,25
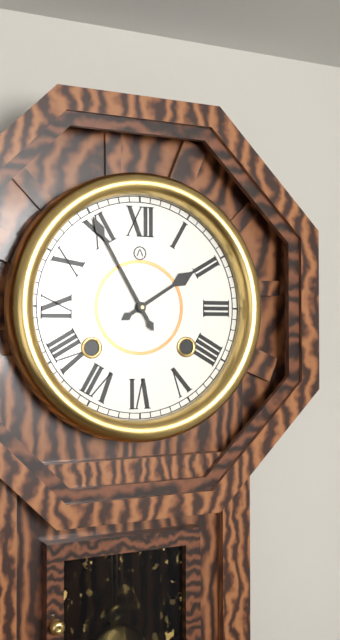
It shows 1,55
